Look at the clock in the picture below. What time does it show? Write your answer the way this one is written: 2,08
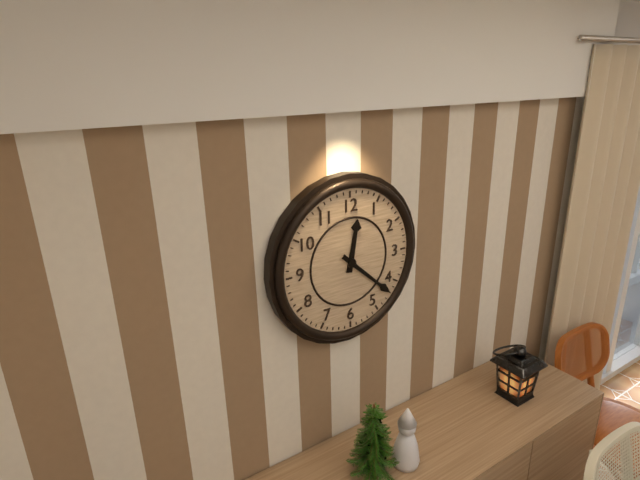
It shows 12,22
